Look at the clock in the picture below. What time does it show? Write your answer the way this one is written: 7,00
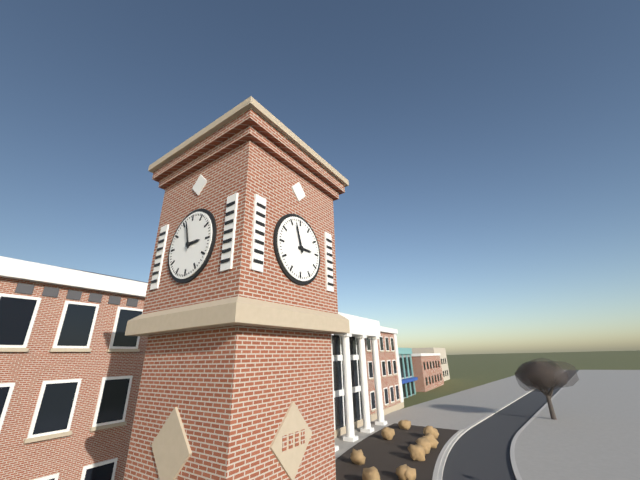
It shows 2,57
